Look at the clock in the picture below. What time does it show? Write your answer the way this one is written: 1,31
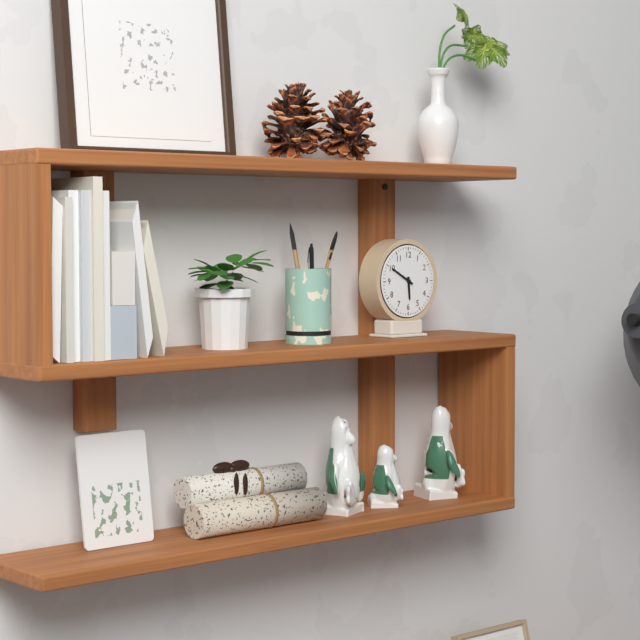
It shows 5,50
